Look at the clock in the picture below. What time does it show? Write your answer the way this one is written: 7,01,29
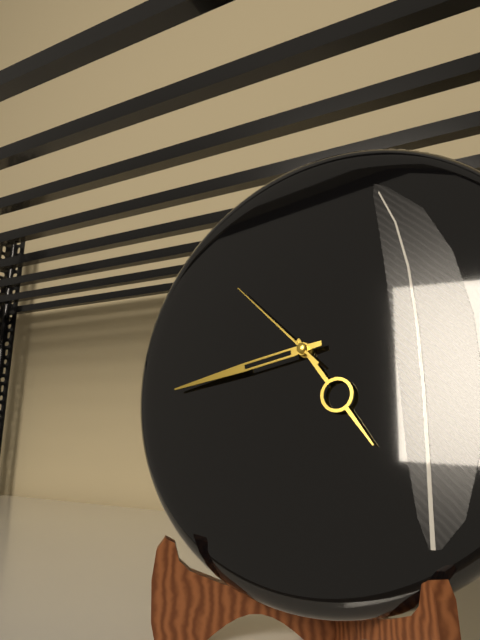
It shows 4,43,52
